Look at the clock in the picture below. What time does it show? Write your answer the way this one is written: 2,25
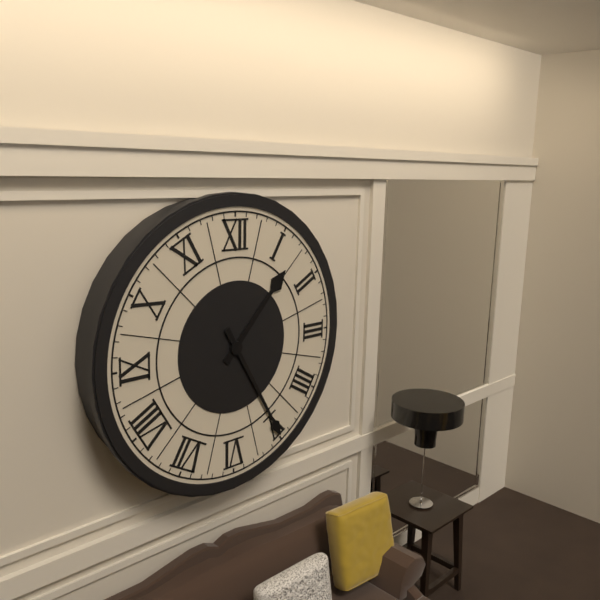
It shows 1,25
